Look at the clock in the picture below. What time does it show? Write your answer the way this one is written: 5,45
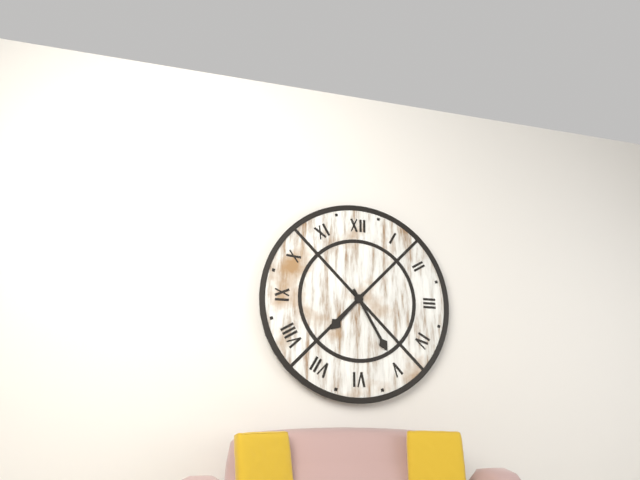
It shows 7,25
